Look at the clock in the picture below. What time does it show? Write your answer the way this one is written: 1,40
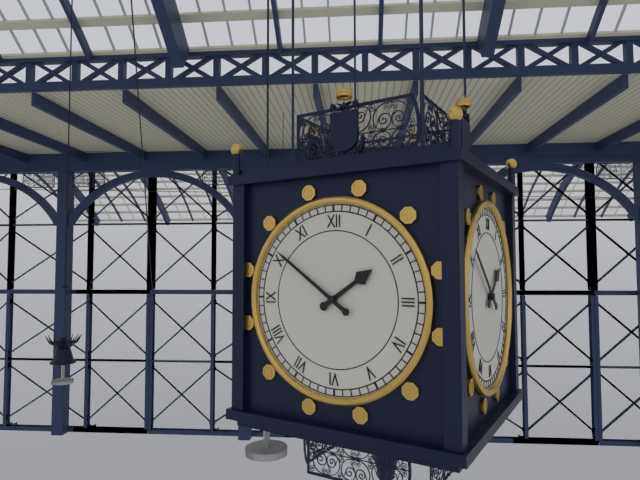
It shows 1,51
